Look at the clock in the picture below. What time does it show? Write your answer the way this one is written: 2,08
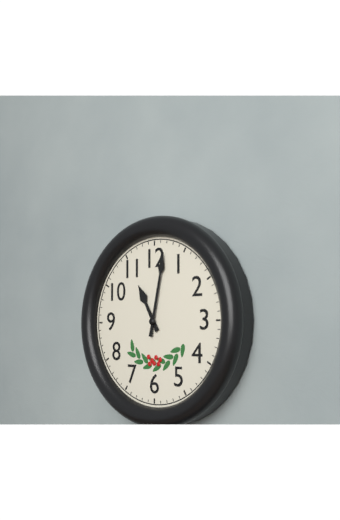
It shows 11,02
